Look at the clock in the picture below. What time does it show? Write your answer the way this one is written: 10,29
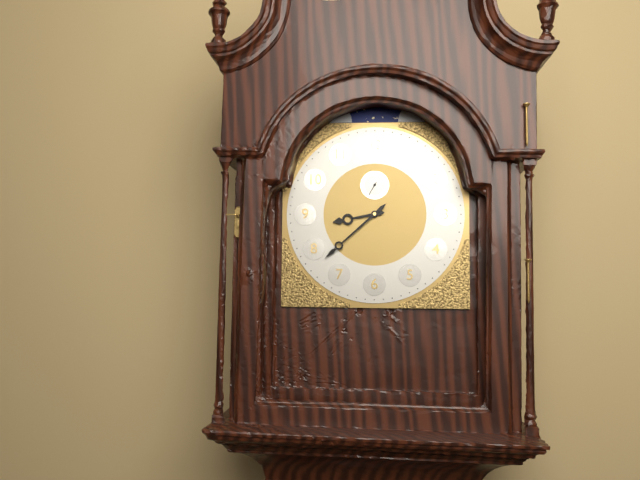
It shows 8,38
